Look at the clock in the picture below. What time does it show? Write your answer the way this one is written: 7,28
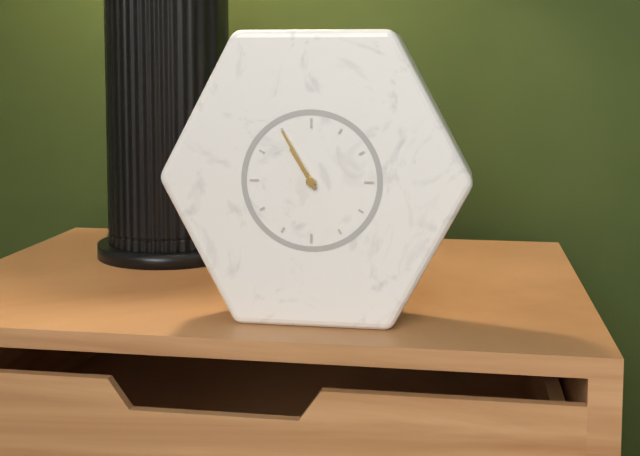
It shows 10,55
